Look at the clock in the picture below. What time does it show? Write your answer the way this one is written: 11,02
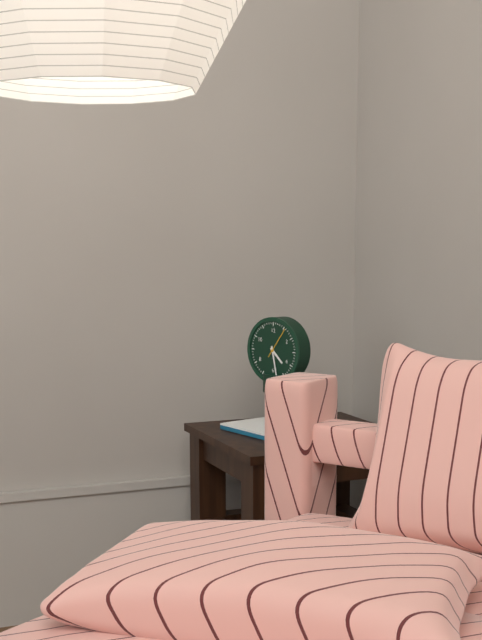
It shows 4,28
